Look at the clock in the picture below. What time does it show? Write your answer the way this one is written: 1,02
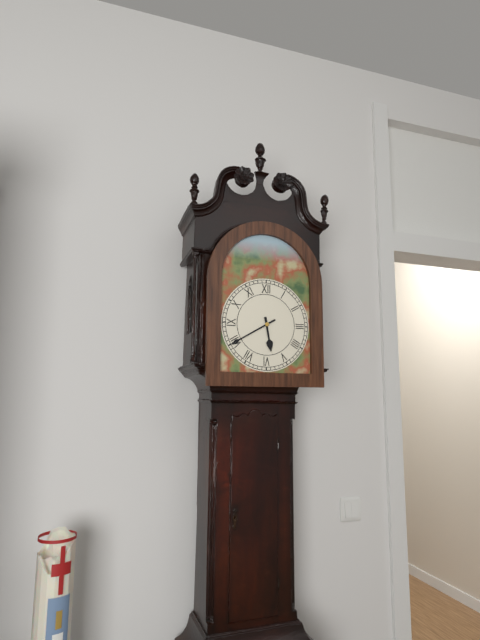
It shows 5,40
